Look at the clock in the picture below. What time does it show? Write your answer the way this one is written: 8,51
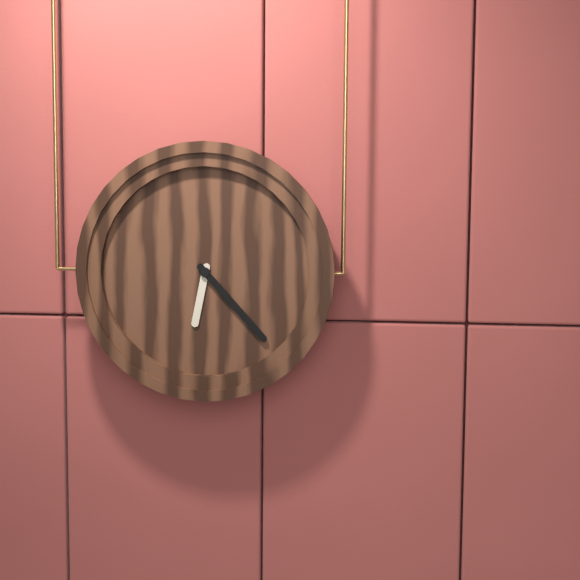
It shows 6,23
